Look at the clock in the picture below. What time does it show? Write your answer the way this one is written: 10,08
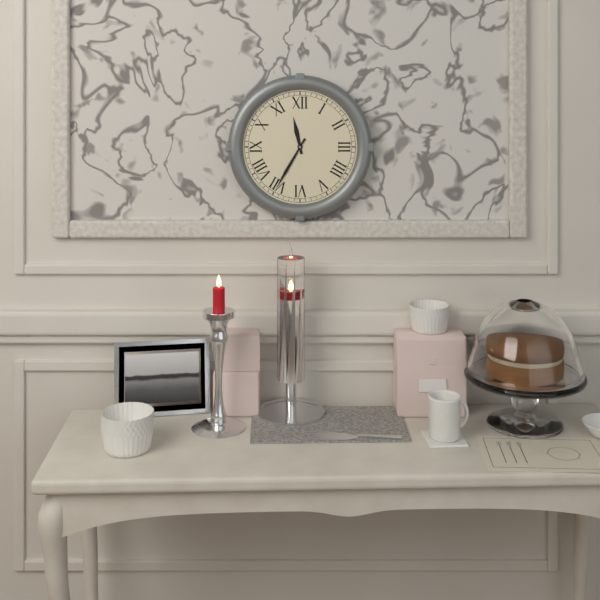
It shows 11,35
